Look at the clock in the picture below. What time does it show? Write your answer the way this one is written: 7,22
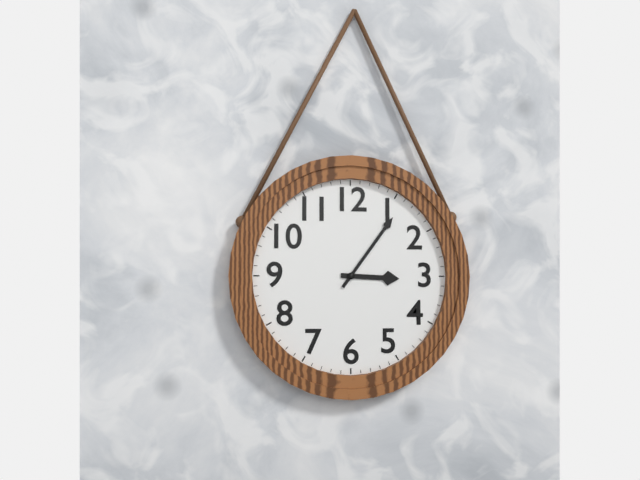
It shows 3,06
